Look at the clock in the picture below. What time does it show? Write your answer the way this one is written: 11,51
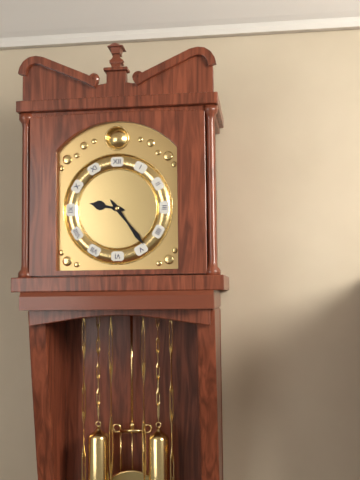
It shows 9,24
